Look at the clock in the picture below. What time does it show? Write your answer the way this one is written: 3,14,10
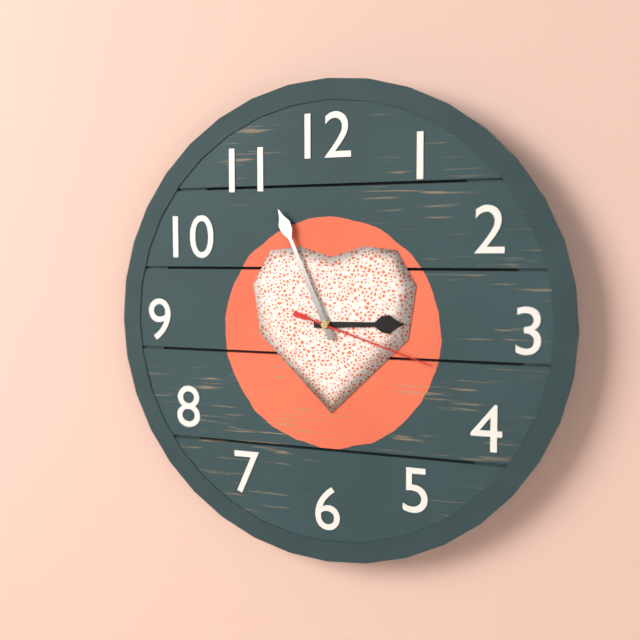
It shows 2,56,18
